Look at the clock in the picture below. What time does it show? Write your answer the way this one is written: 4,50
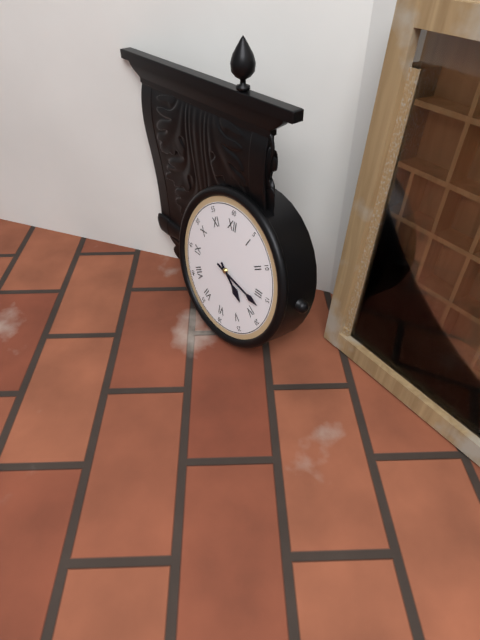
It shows 4,17
